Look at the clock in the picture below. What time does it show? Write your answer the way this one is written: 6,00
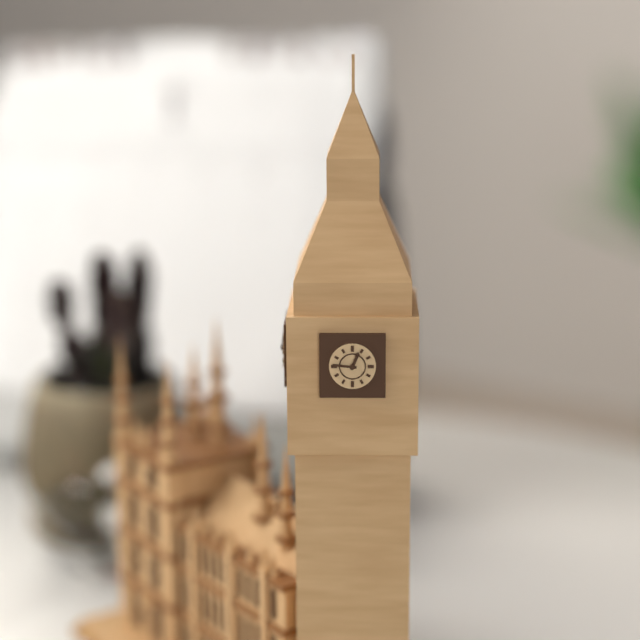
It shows 12,46
